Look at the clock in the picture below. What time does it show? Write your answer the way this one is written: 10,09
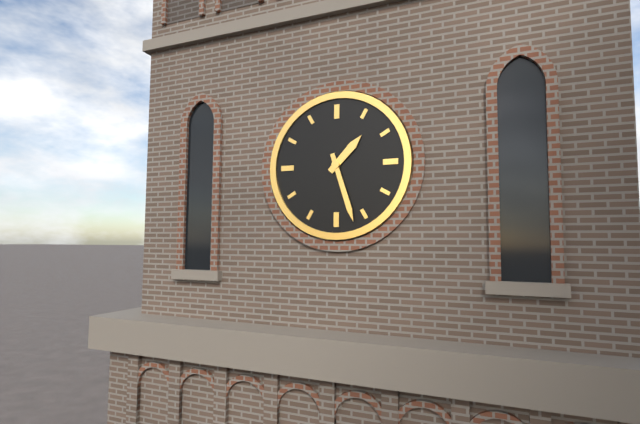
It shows 1,27
